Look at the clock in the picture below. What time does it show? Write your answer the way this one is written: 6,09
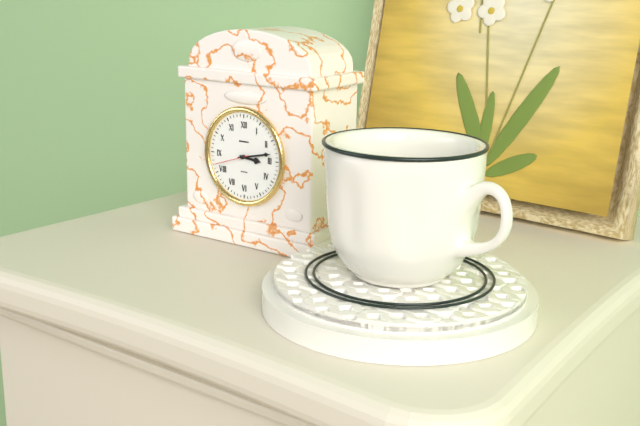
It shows 3,13
